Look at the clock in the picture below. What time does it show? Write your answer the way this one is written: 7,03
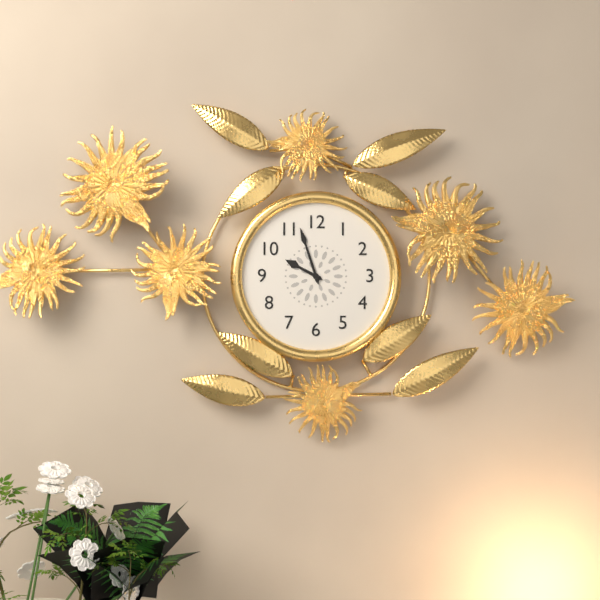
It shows 9,57
